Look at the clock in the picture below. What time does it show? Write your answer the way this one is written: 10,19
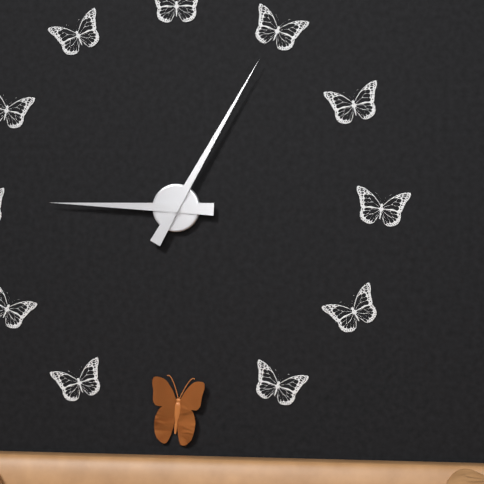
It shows 9,05
